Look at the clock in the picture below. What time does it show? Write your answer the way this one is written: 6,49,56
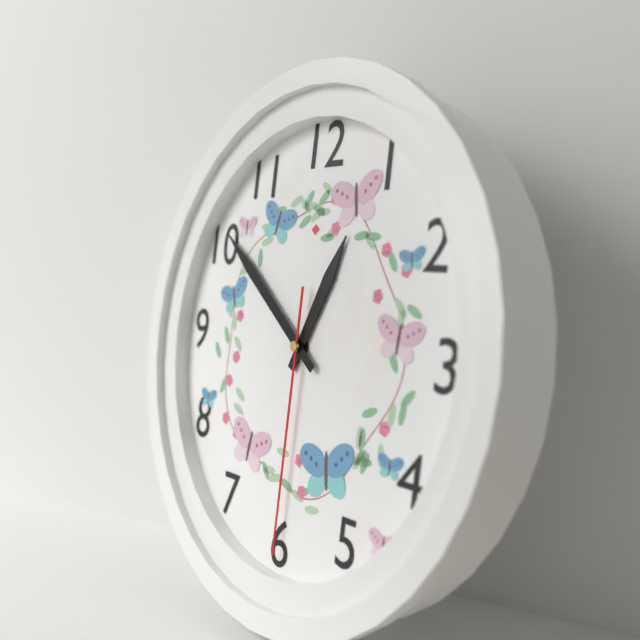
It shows 12,51,30
